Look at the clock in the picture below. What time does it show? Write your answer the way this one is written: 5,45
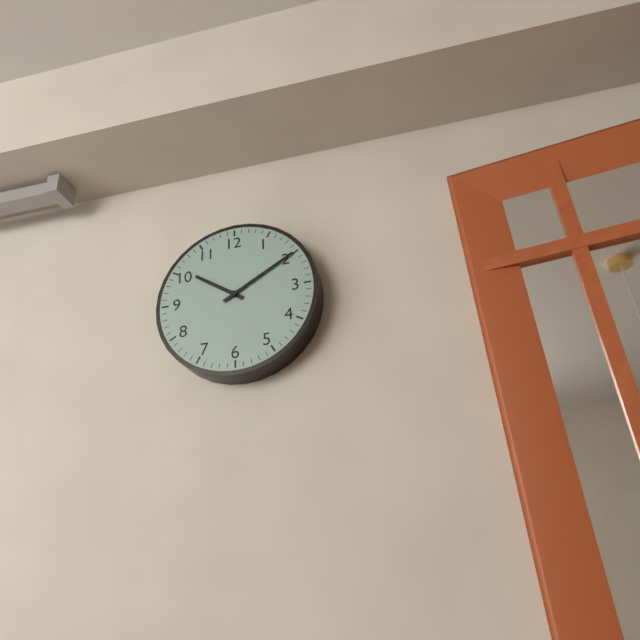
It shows 10,10
